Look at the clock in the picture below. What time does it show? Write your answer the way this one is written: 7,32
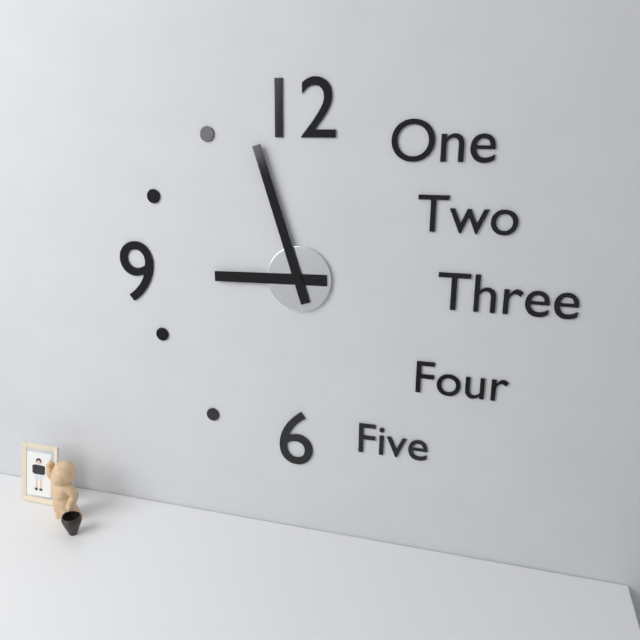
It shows 8,57
